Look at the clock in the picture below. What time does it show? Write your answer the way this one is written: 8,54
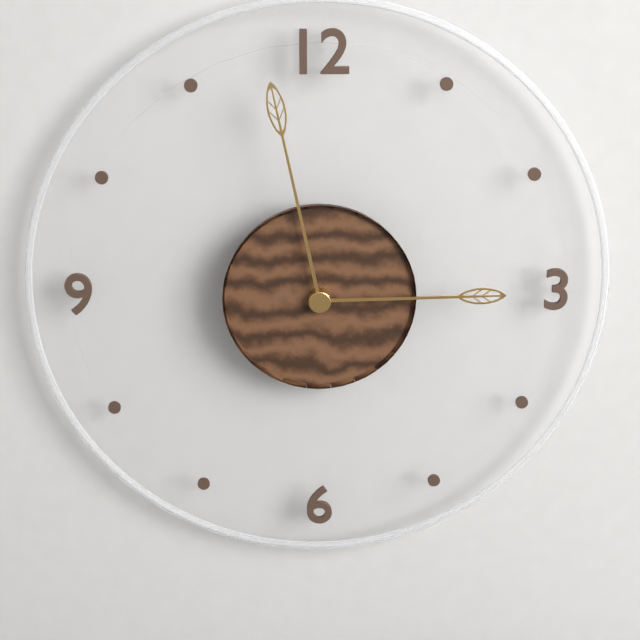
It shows 2,58
